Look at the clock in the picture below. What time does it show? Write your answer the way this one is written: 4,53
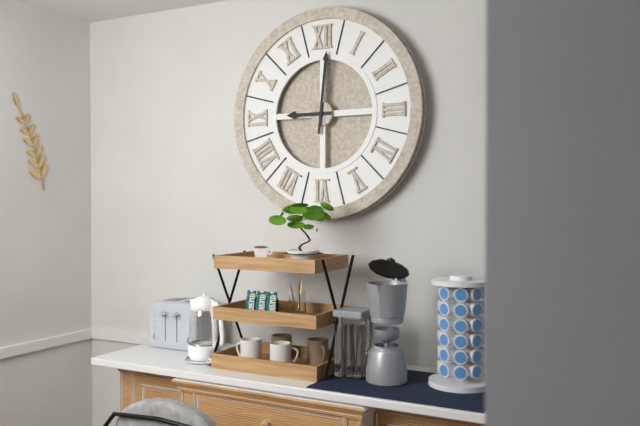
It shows 9,01
